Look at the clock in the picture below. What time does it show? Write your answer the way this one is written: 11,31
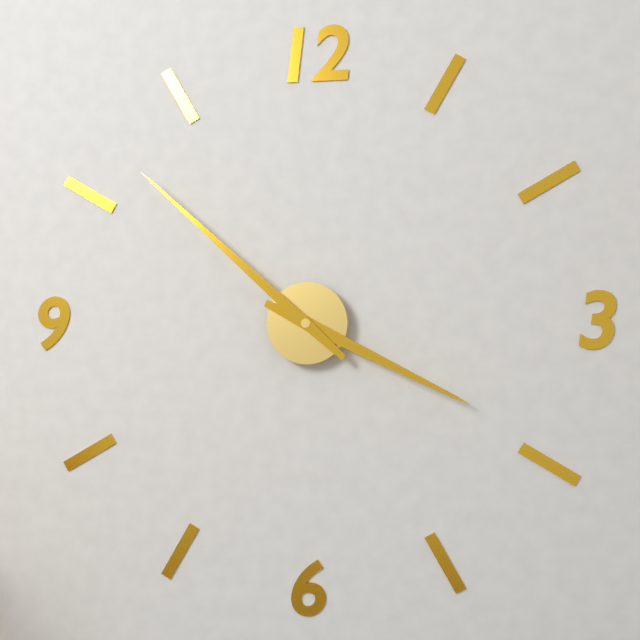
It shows 3,52
